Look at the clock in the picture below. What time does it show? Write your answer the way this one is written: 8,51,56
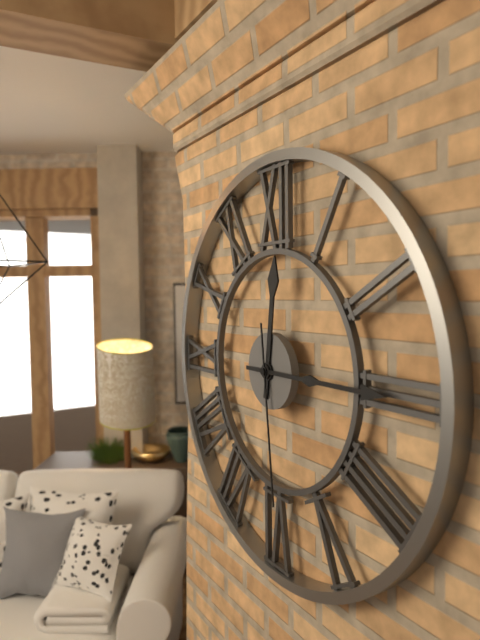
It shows 12,15,29
